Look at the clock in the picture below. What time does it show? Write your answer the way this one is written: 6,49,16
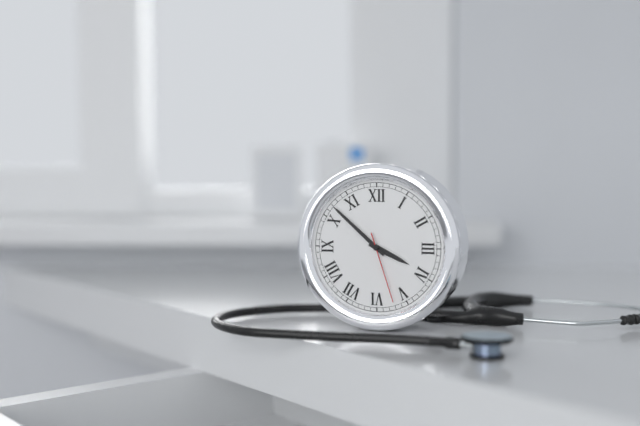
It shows 3,52,27
